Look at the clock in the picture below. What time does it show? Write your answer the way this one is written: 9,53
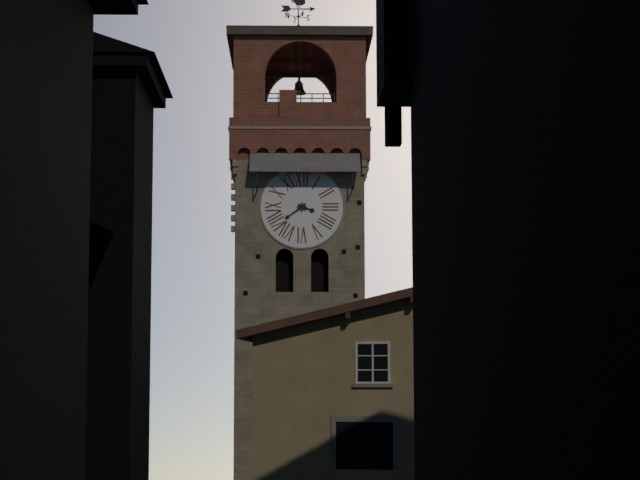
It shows 3,39
